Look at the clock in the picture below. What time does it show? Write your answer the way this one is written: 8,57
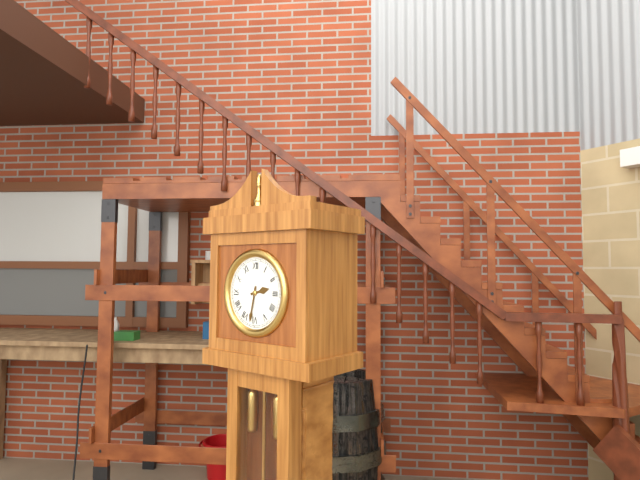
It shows 2,32
